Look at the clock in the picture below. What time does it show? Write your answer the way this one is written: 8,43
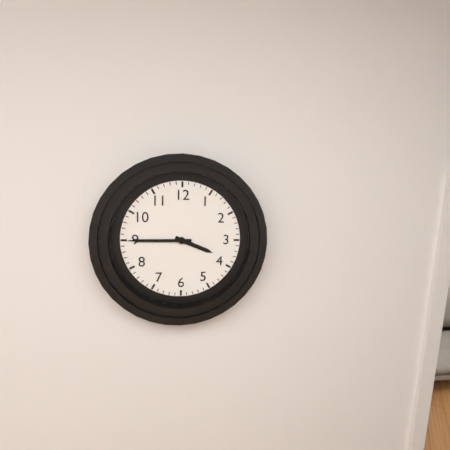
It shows 3,45
